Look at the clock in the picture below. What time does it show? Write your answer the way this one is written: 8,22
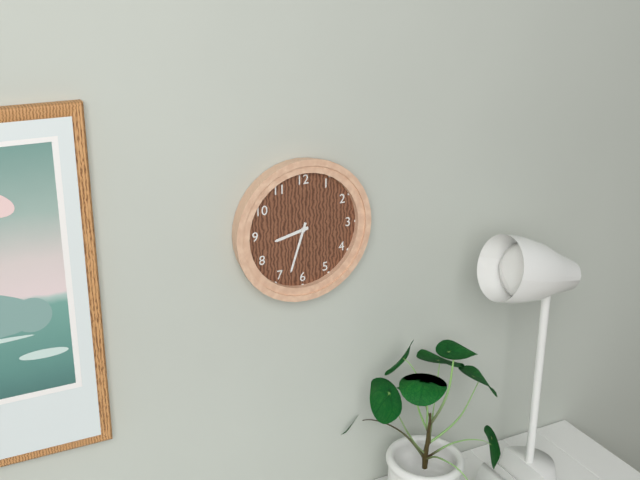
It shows 8,33
